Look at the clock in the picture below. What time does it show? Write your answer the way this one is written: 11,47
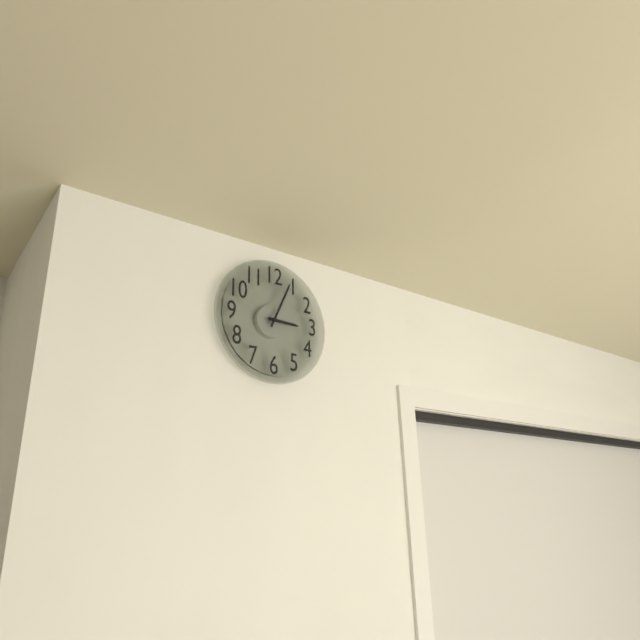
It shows 3,04
